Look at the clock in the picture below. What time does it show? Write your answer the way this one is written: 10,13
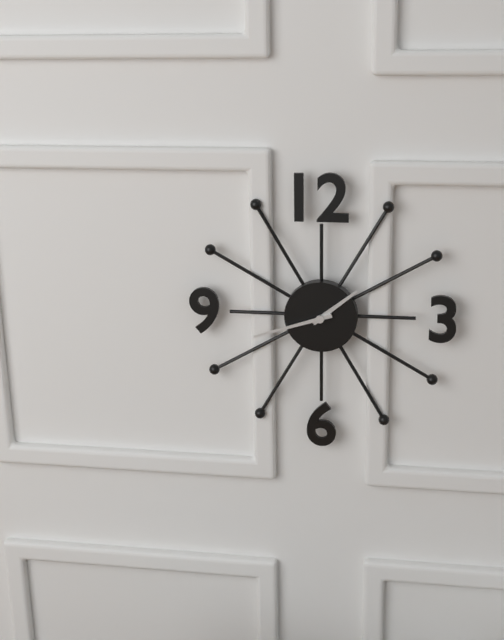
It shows 1,42
